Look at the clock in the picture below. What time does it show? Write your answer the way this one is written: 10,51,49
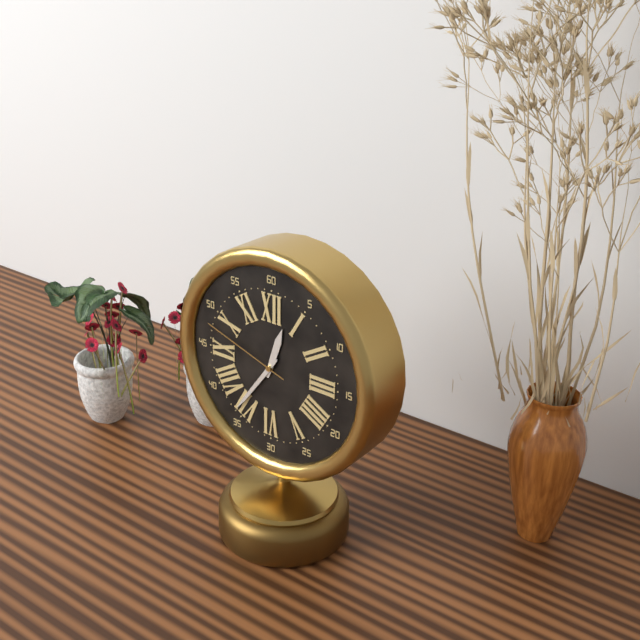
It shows 12,36,48
